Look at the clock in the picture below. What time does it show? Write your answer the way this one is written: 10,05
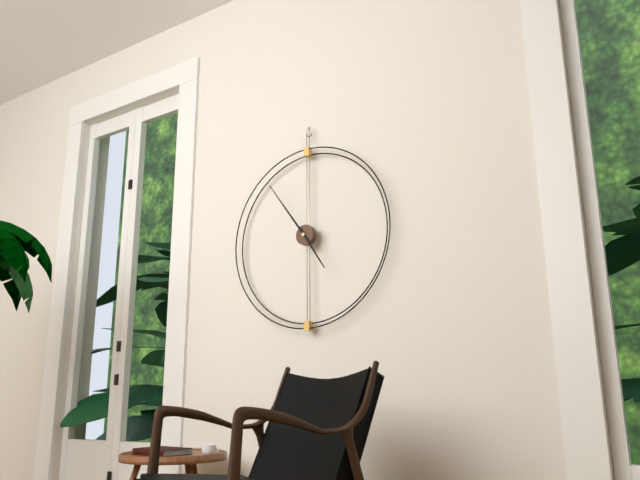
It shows 4,54
